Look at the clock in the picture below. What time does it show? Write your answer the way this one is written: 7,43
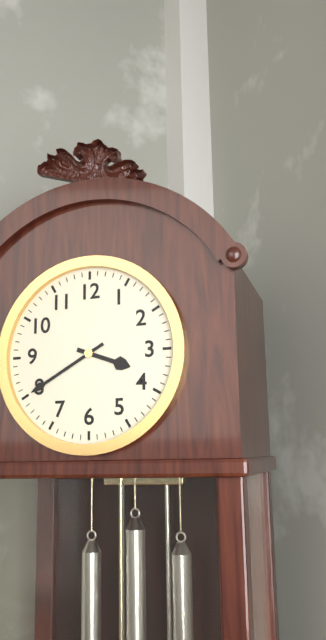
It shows 3,40
